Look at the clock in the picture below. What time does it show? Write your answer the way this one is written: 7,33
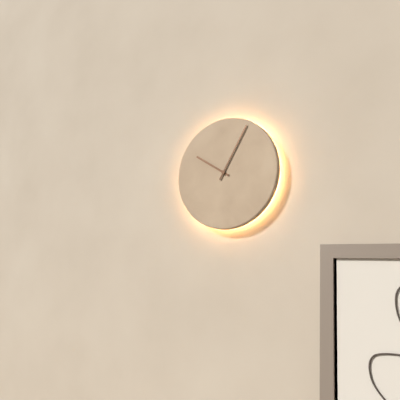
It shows 10,05
